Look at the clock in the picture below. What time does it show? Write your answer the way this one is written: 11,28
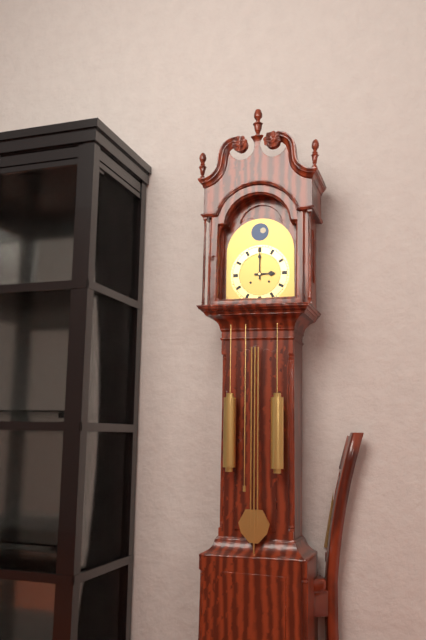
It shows 3,00
